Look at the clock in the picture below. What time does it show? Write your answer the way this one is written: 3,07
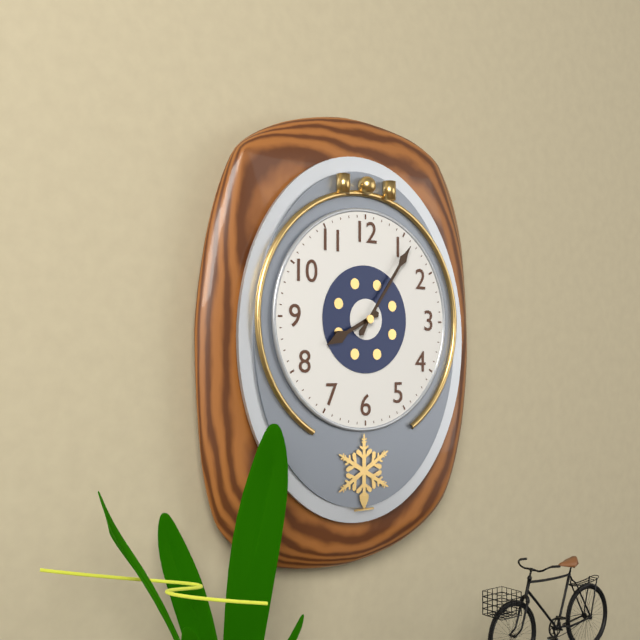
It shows 8,06
